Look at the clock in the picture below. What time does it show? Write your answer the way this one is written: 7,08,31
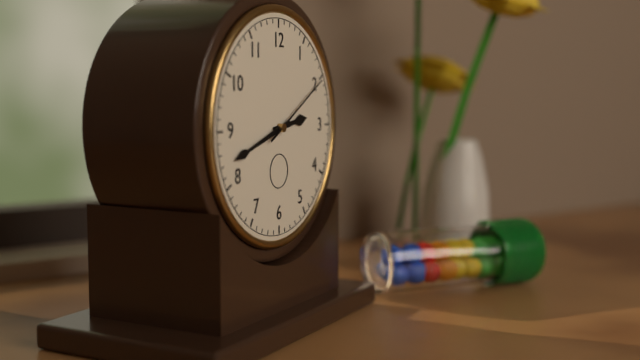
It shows 2,42,10
